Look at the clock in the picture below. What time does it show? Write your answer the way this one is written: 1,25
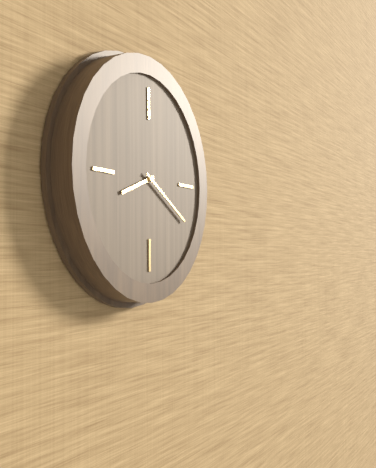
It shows 8,20
